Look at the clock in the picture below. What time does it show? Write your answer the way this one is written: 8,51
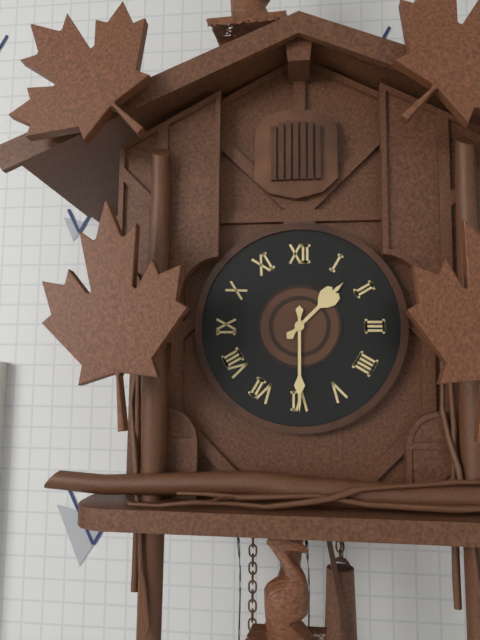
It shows 1,30
